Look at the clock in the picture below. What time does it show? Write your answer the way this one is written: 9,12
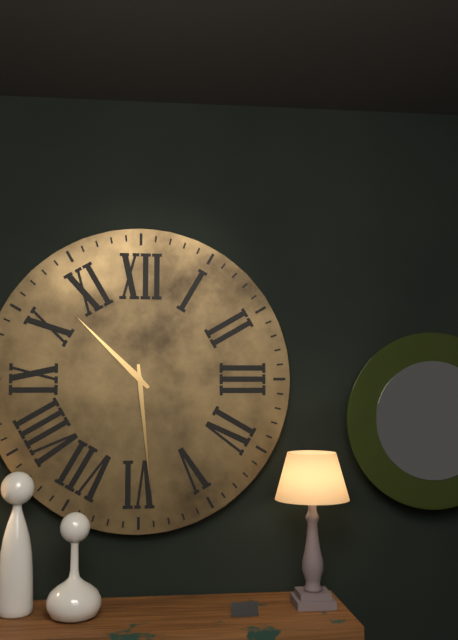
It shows 10,29
